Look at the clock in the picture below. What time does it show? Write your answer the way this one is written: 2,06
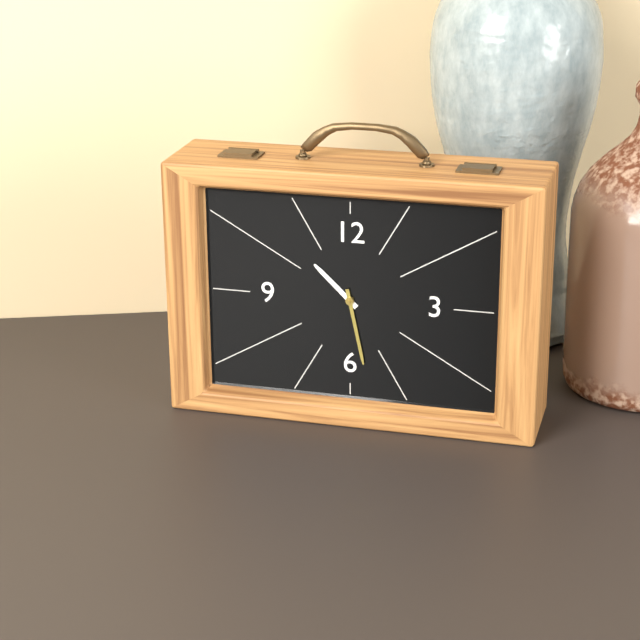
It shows 10,28
